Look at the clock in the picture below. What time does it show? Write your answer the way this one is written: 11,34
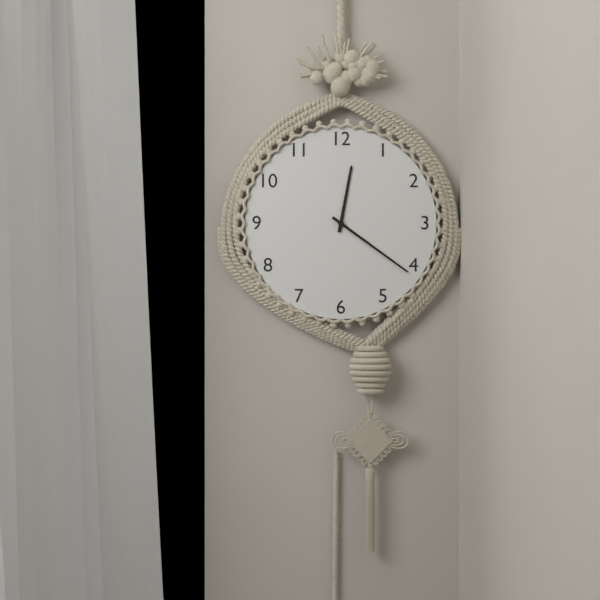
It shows 12,21
